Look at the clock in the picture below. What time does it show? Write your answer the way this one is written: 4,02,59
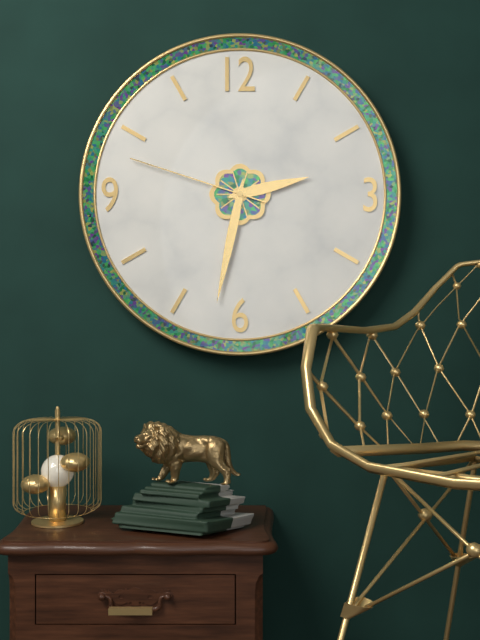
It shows 2,32,48
